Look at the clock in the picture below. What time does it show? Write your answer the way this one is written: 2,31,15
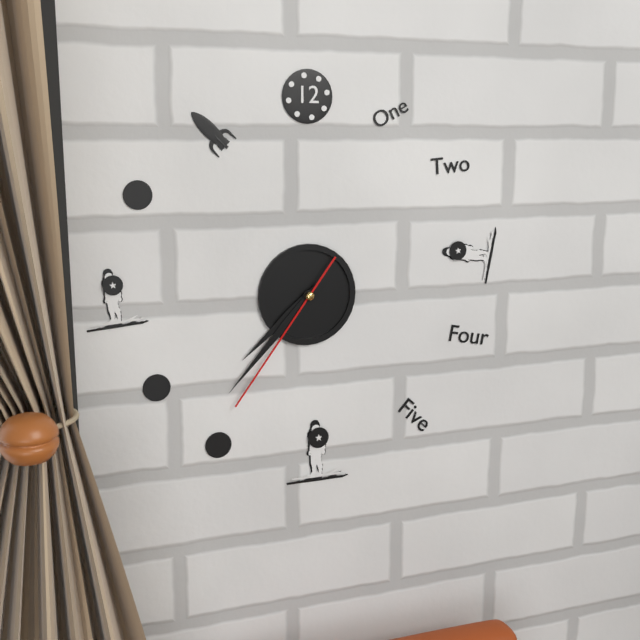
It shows 7,37,36
